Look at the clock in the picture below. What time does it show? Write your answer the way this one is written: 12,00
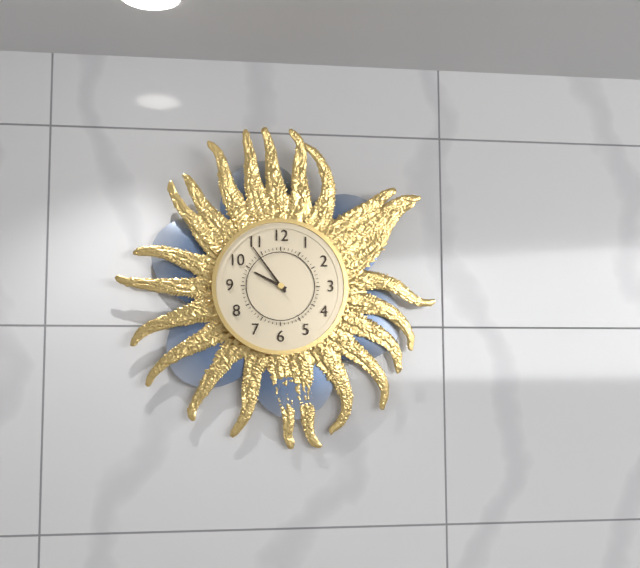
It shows 9,54
